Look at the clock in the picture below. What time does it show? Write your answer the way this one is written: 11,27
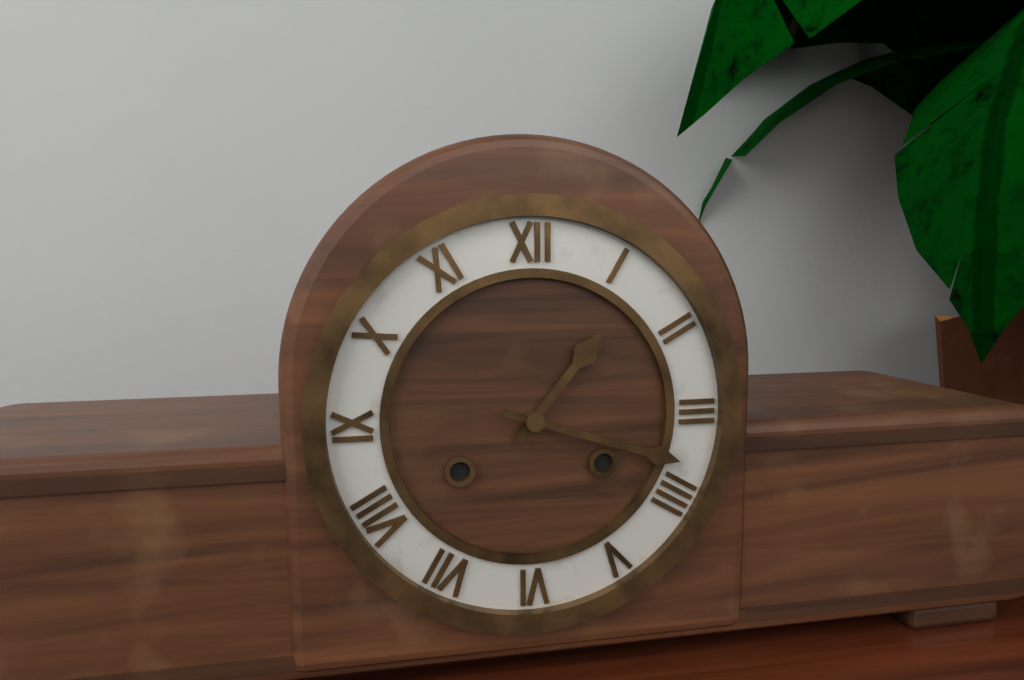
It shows 1,18
